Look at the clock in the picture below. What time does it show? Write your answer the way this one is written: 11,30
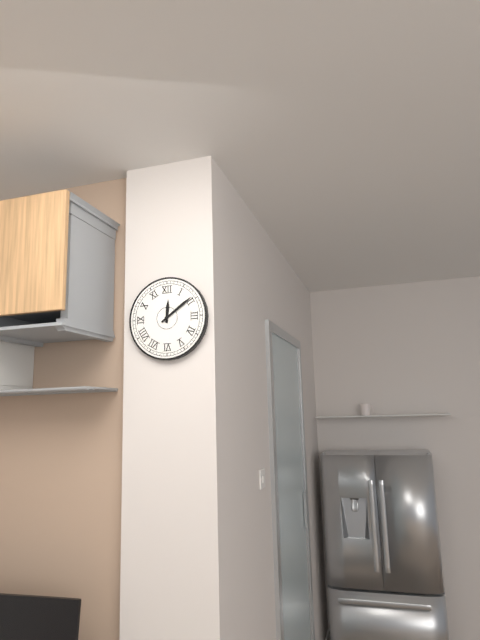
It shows 12,09
